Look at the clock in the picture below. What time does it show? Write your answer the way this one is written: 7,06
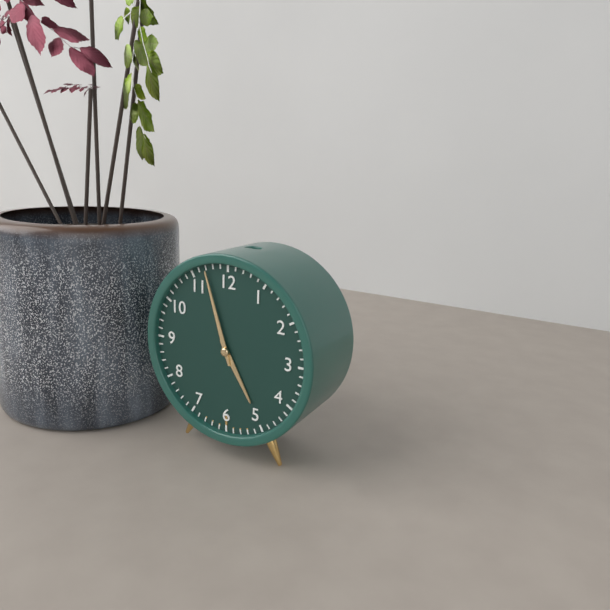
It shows 4,57
